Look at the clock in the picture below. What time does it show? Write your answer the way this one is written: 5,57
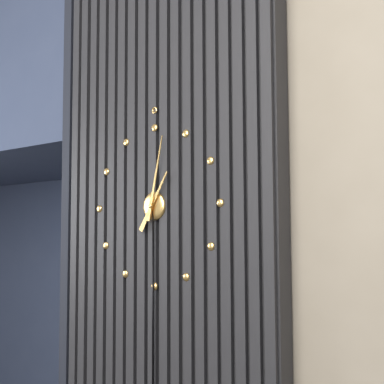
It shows 1,02
